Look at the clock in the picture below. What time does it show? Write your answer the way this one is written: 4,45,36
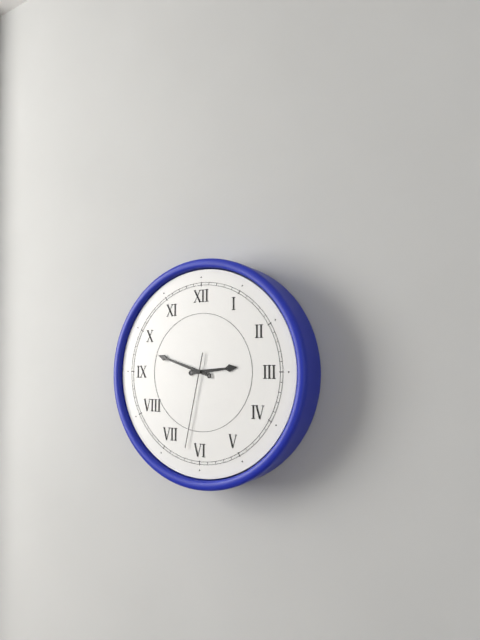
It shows 2,48,32
